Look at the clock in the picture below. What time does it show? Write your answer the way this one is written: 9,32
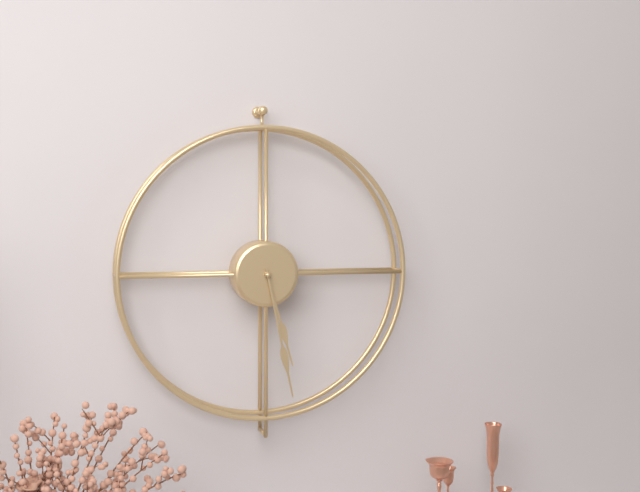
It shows 5,28
